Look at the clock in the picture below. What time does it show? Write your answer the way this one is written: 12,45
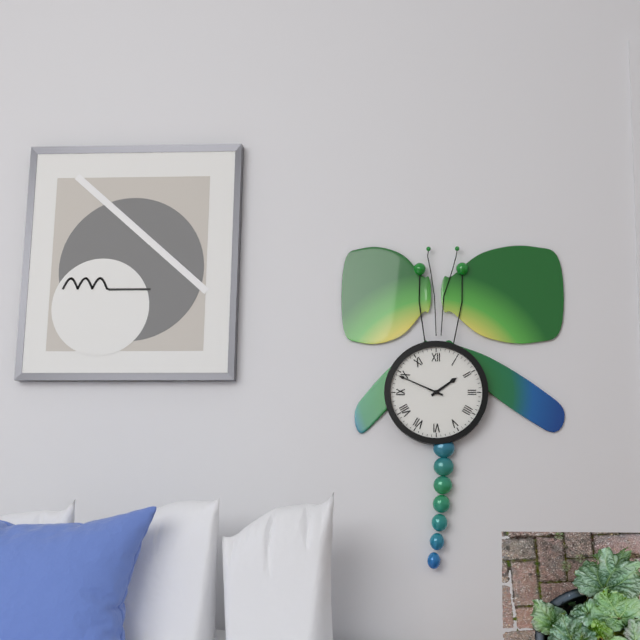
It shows 1,49
